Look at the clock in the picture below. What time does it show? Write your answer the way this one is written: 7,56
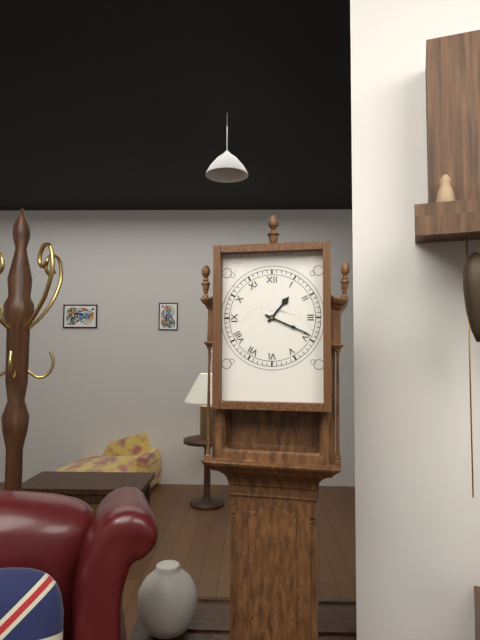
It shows 1,19
